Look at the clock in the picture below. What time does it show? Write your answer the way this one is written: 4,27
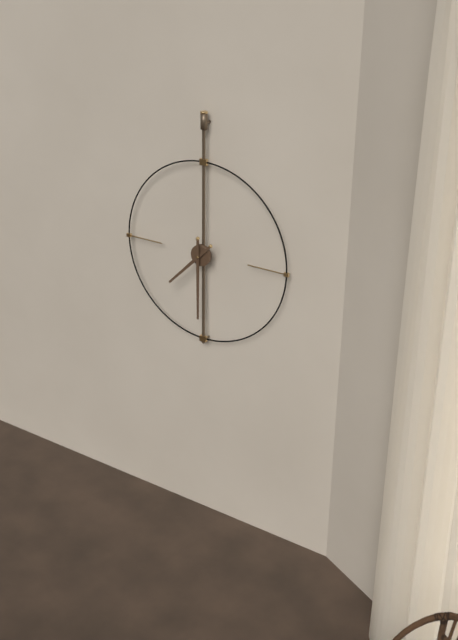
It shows 7,30
